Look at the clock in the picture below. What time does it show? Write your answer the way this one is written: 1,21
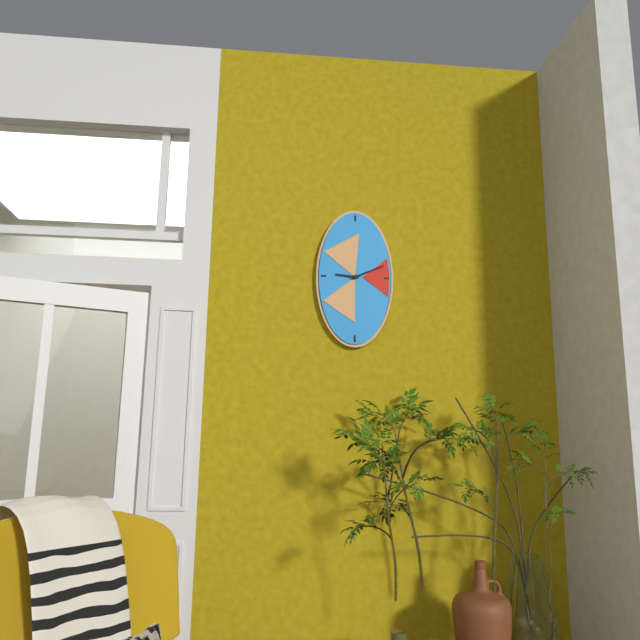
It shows 9,11
